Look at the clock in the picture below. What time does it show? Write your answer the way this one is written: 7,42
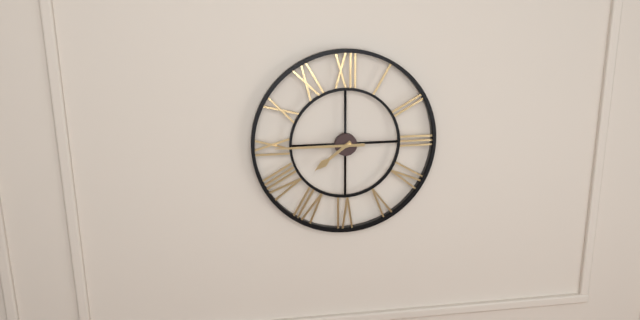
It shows 7,45
